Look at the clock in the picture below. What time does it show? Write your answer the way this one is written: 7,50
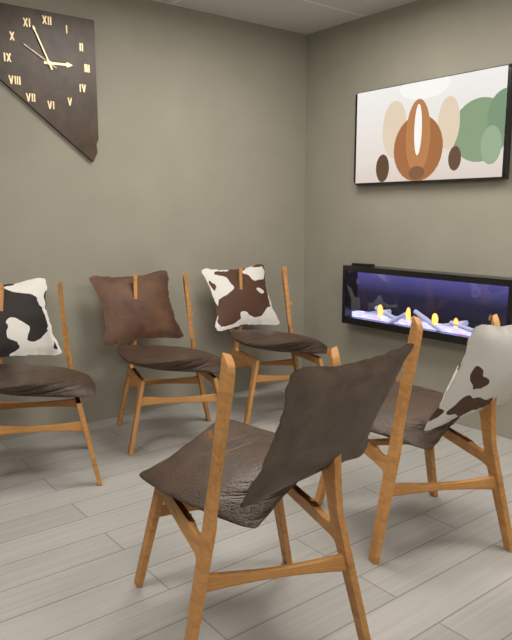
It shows 2,56
